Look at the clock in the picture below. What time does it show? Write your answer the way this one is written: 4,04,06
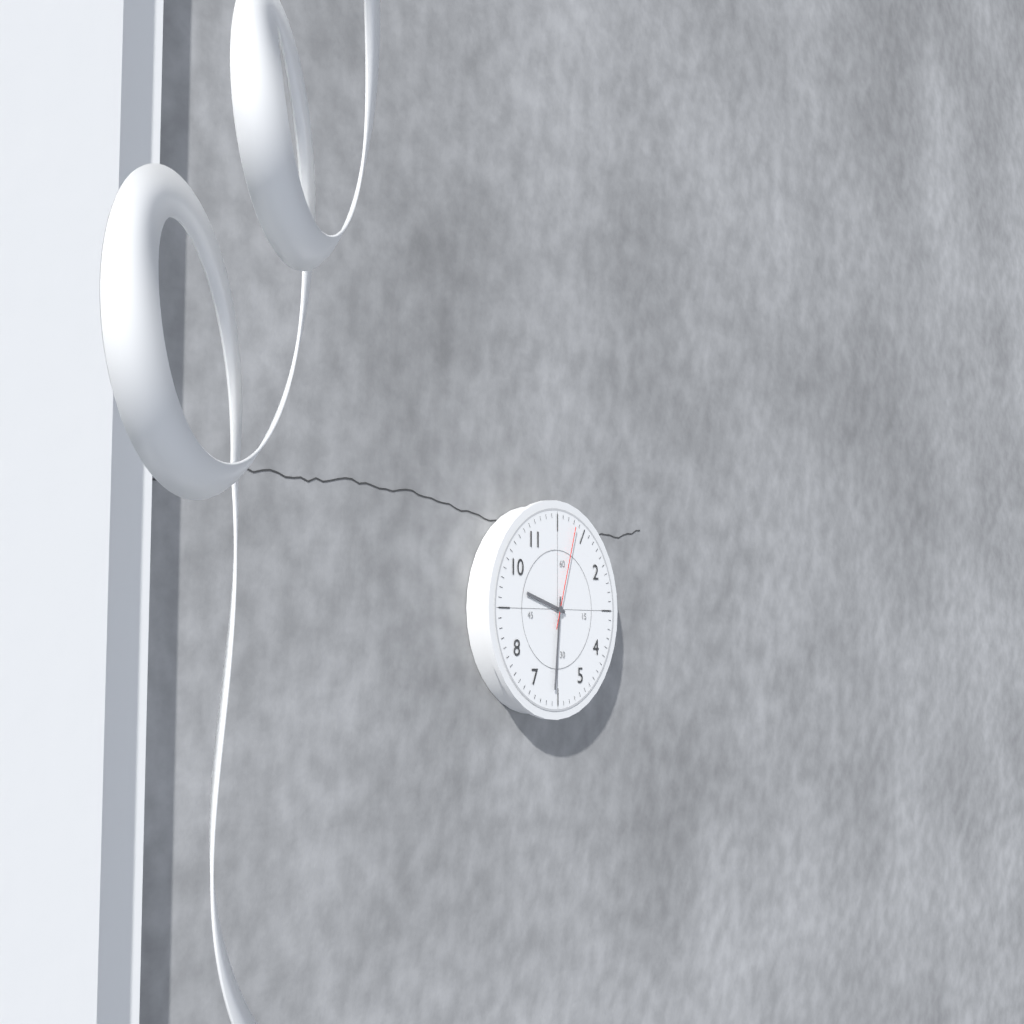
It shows 9,31,03
